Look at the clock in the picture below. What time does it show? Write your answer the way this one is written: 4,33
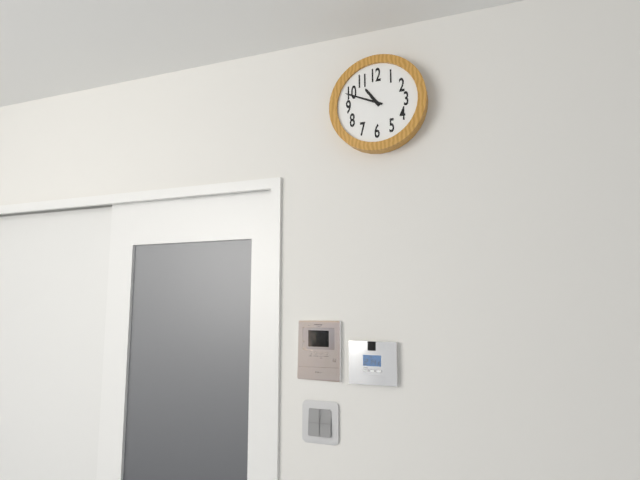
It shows 10,49
